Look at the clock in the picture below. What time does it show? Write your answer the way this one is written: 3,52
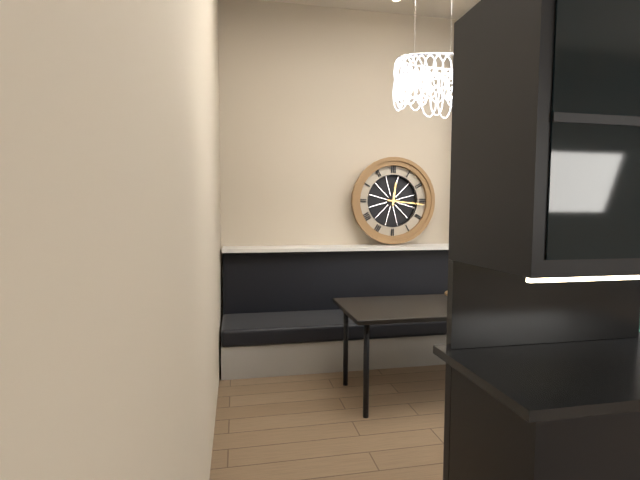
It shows 12,16
